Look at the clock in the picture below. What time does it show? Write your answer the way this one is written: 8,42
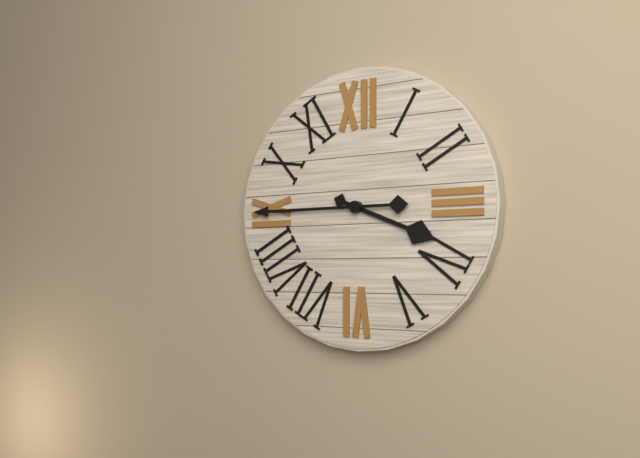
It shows 3,45
